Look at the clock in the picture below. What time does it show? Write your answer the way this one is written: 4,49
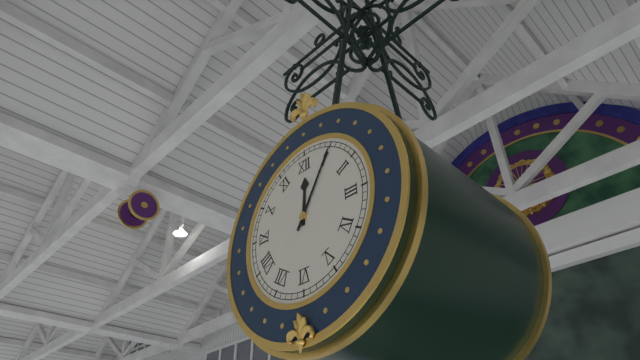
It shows 12,05
